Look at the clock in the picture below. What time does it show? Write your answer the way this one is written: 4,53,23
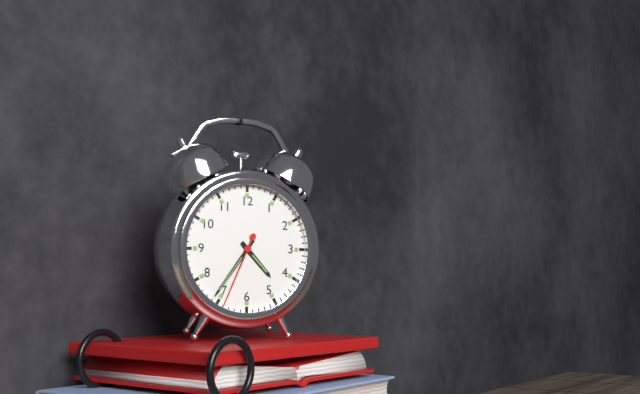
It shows 4,36,34
